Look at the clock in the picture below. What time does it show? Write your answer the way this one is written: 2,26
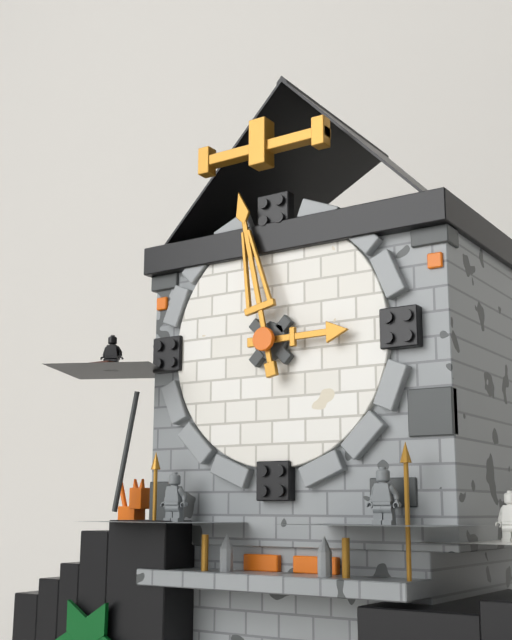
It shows 2,58
